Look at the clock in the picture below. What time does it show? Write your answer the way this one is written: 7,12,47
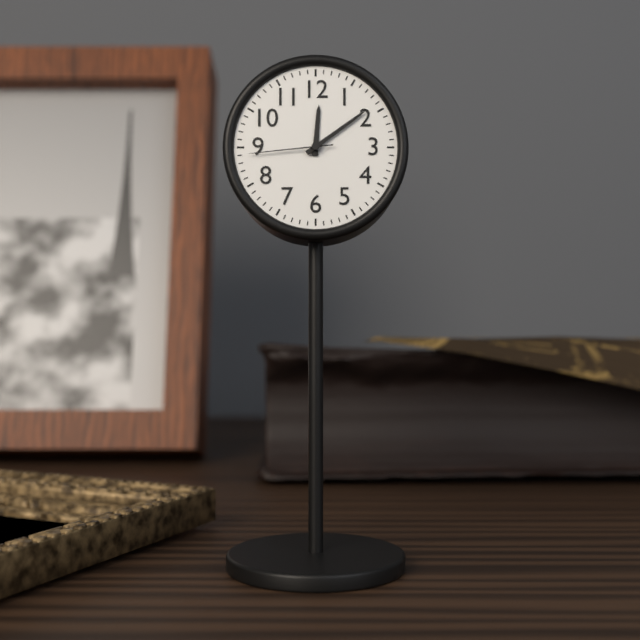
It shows 12,09,44
